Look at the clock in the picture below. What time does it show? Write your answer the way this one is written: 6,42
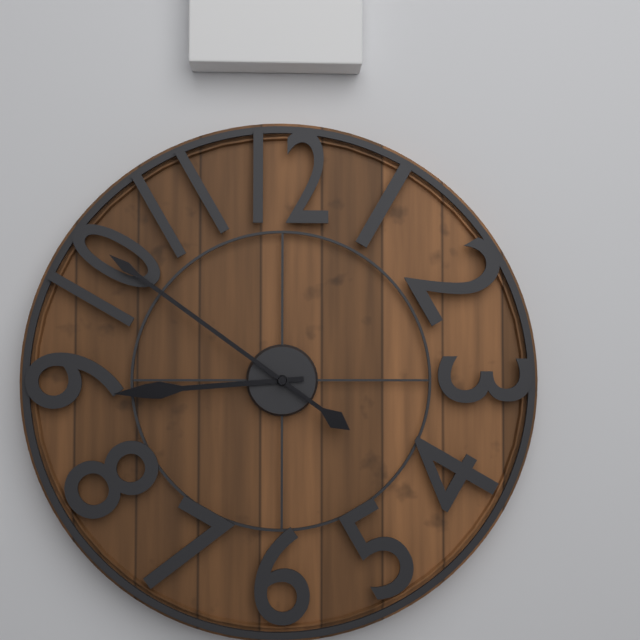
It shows 8,51
